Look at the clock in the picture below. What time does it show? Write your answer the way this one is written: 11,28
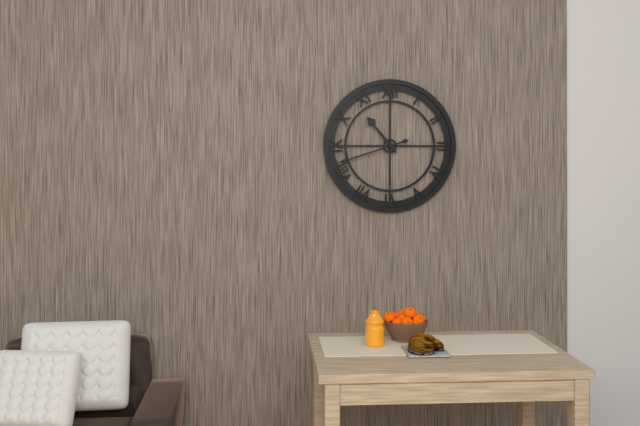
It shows 10,42
